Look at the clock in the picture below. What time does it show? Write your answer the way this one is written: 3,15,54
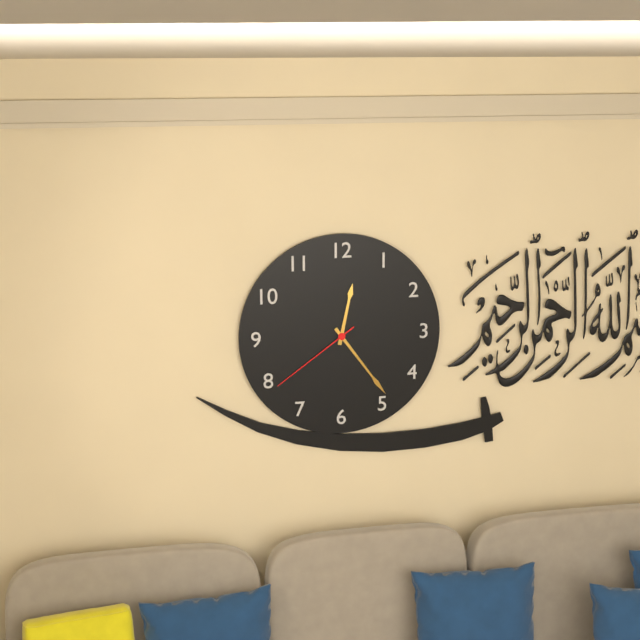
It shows 12,24,39
